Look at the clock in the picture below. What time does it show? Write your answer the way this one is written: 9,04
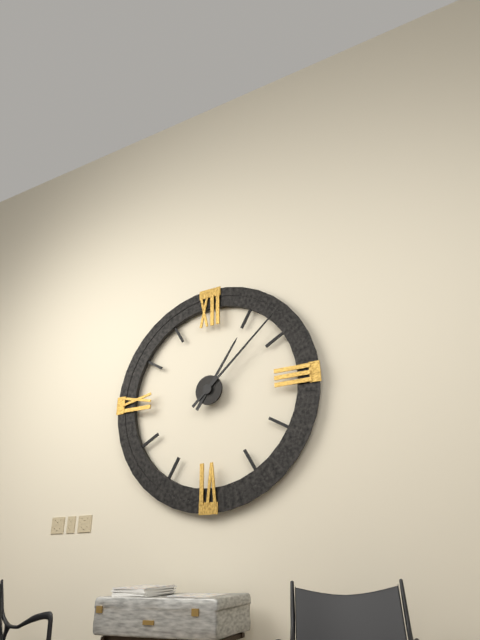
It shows 1,08
